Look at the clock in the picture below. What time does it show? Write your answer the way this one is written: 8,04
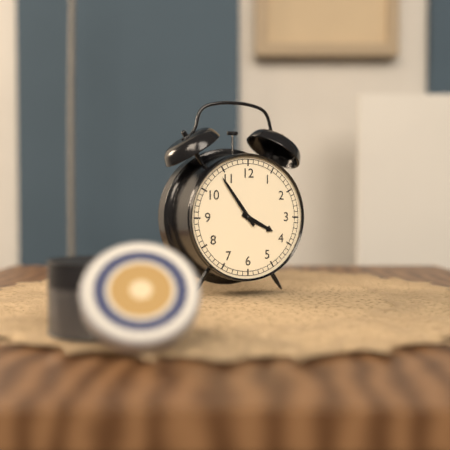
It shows 3,54
